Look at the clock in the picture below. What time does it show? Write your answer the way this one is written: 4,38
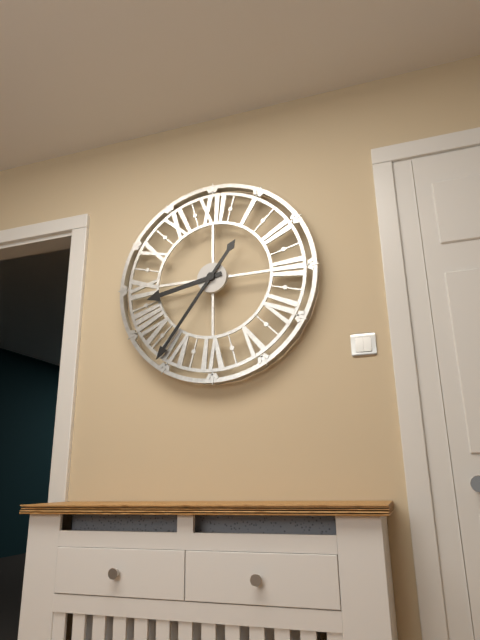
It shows 8,36
